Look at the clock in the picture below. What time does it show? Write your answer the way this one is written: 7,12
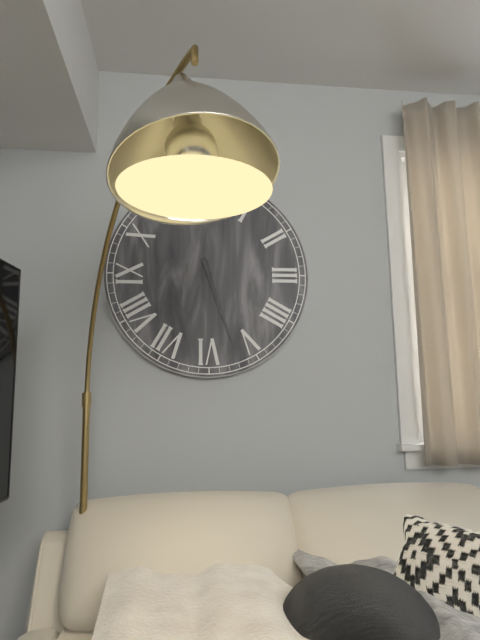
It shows 5,27
